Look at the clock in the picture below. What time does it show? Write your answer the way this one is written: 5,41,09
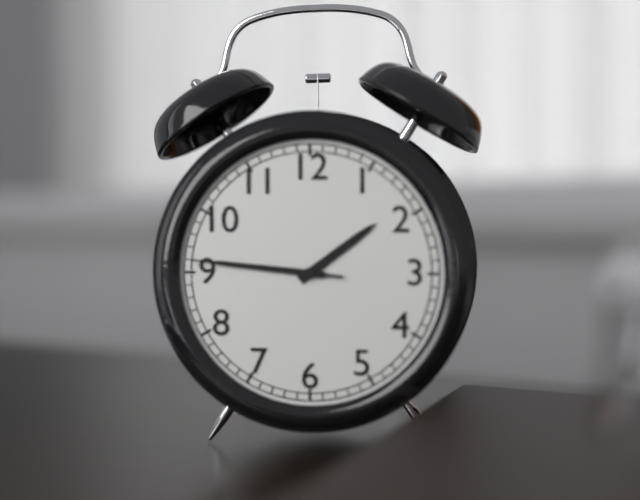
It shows 1,46,46
